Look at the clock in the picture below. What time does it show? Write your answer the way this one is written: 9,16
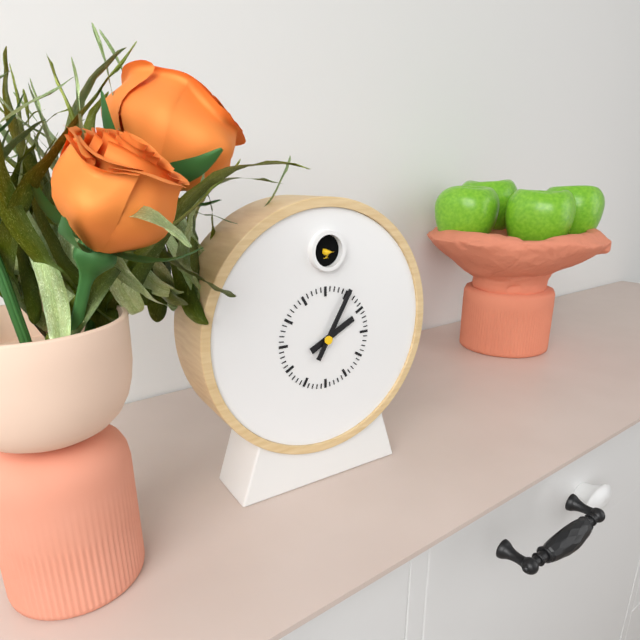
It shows 2,05
